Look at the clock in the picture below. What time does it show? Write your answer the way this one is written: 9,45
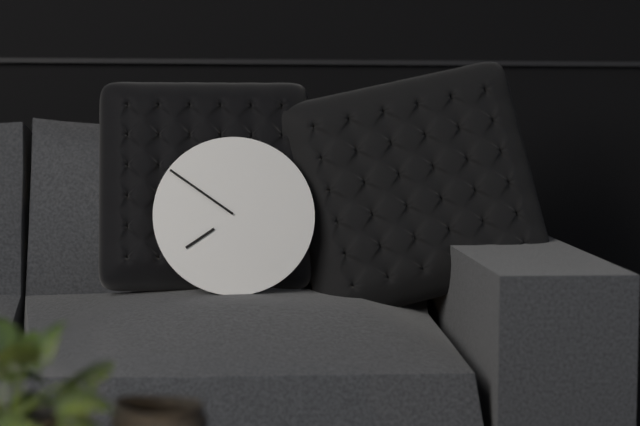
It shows 7,51
